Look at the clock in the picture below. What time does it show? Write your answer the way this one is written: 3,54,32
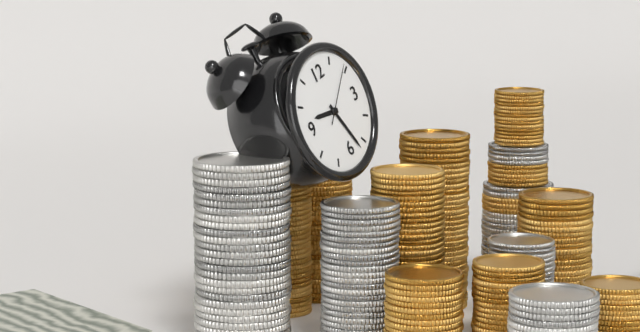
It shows 9,27,09
